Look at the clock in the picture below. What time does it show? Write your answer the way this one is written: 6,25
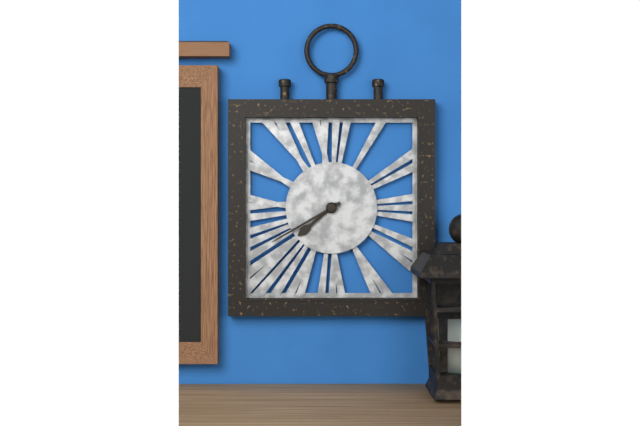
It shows 7,40
